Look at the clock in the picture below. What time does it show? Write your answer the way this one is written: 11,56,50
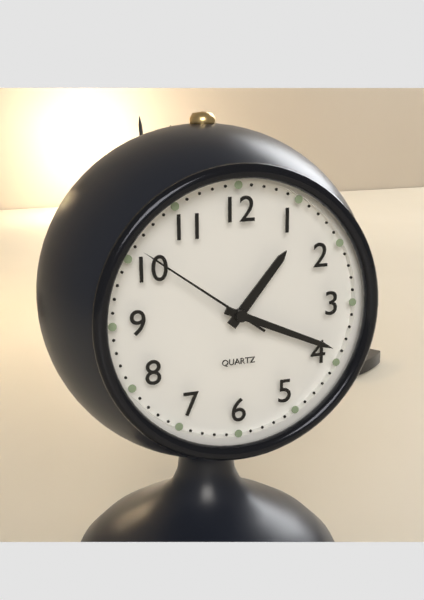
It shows 1,19,51
